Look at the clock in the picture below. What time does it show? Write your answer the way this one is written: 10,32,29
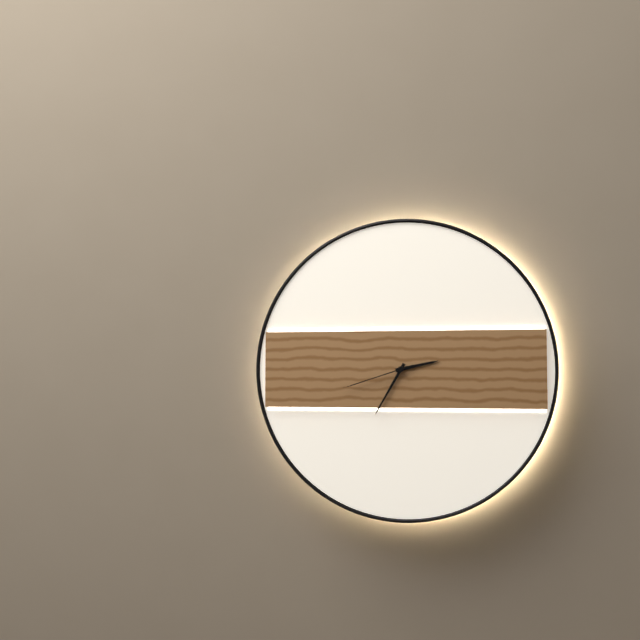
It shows 2,35,42
